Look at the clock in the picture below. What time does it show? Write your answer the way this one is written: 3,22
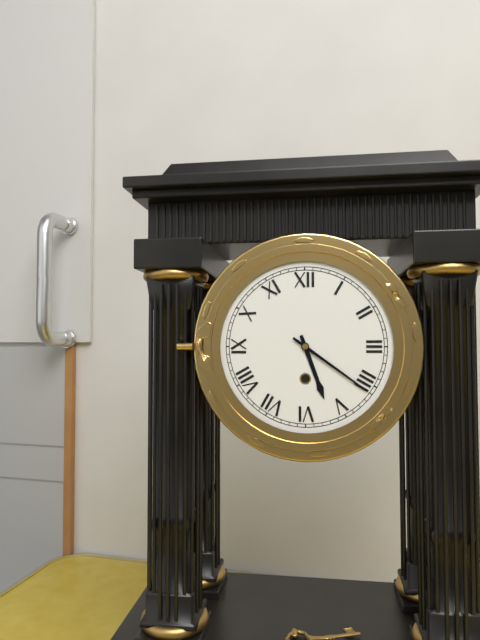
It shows 5,21
